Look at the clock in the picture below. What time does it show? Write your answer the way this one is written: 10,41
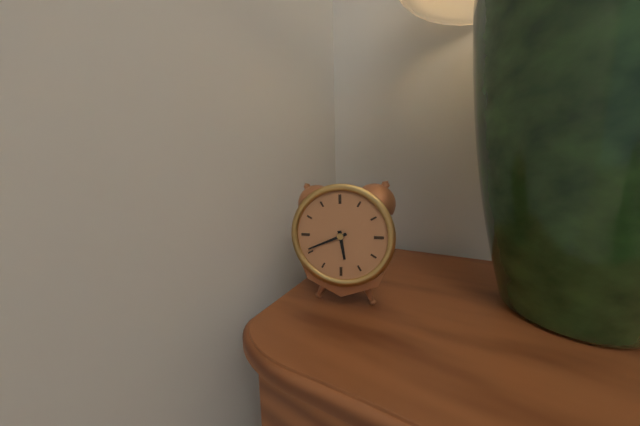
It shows 5,41
